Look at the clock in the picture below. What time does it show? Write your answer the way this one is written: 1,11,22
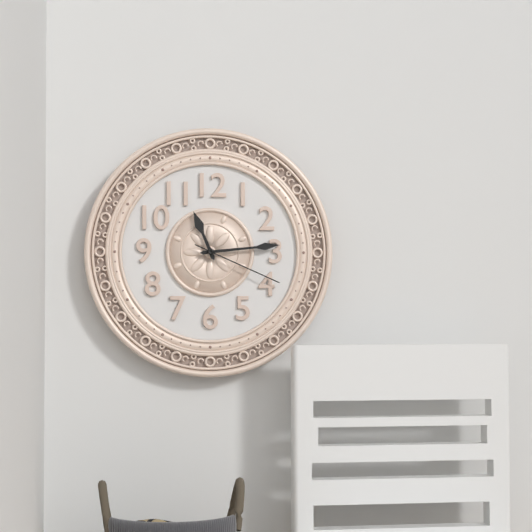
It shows 11,14,19
